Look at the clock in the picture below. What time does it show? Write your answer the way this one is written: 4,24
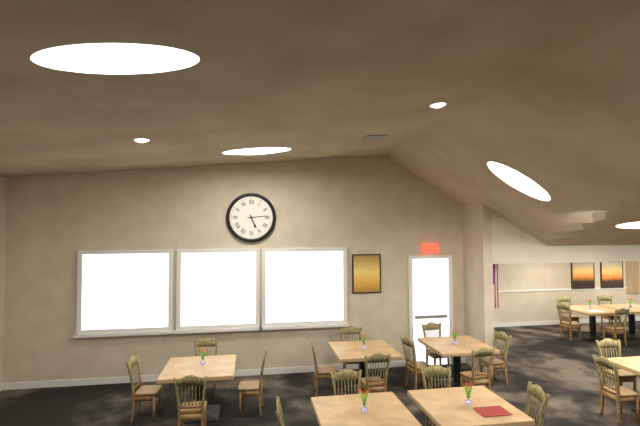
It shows 5,14
